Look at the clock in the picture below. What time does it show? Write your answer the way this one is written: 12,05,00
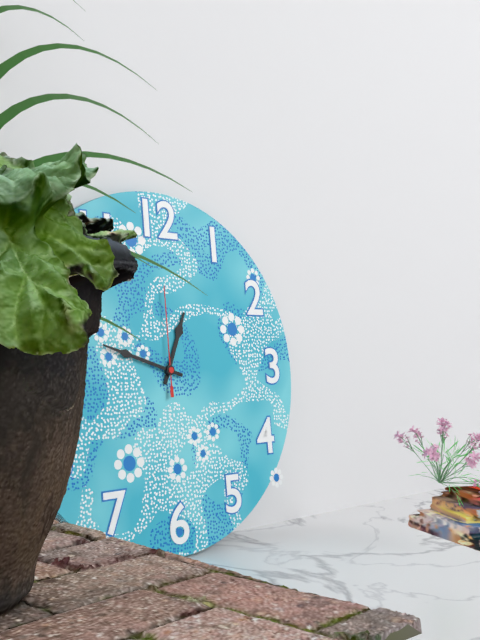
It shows 12,48,00
